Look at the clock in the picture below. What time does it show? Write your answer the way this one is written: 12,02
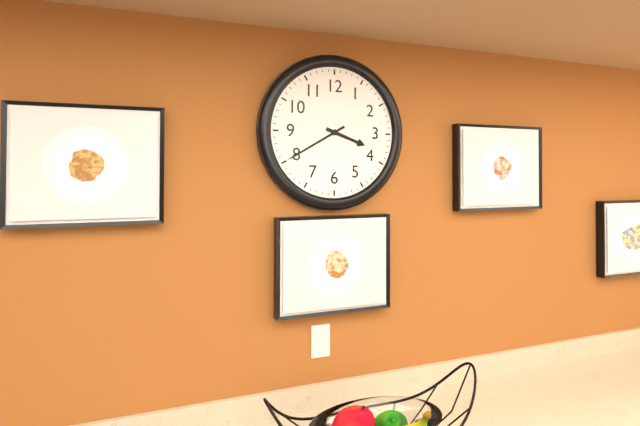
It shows 3,40
